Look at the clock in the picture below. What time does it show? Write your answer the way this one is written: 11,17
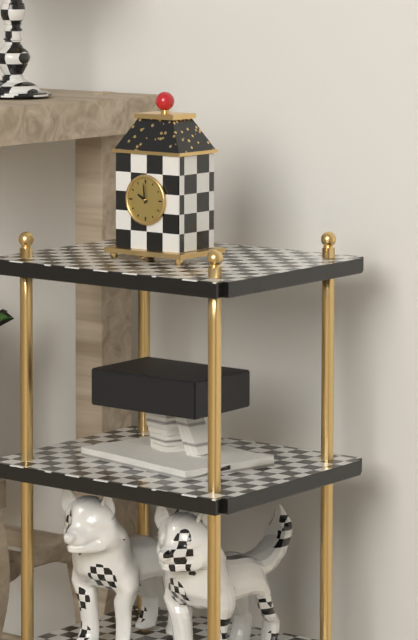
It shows 9,59
